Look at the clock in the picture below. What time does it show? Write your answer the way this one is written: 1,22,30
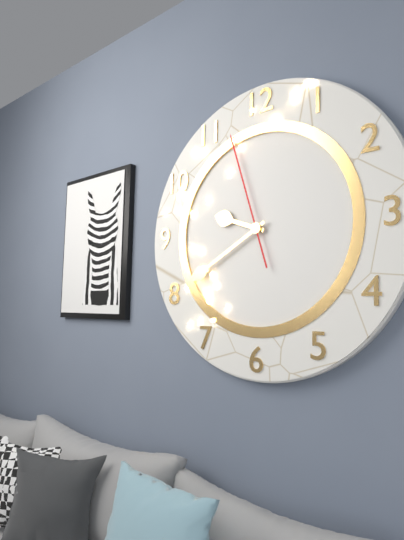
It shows 9,40,57
